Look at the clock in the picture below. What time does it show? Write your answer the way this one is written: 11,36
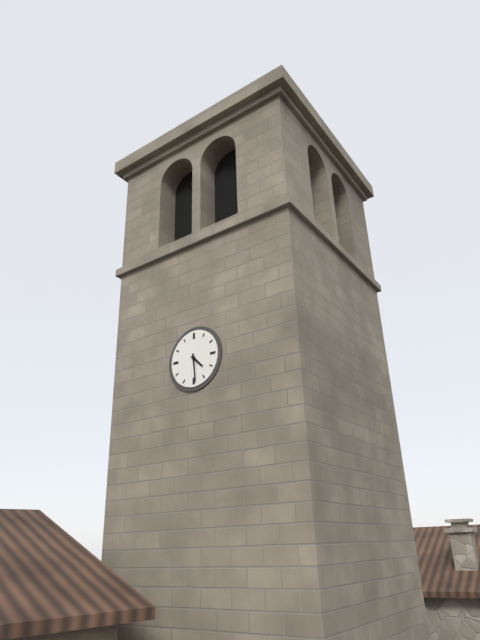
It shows 4,29
